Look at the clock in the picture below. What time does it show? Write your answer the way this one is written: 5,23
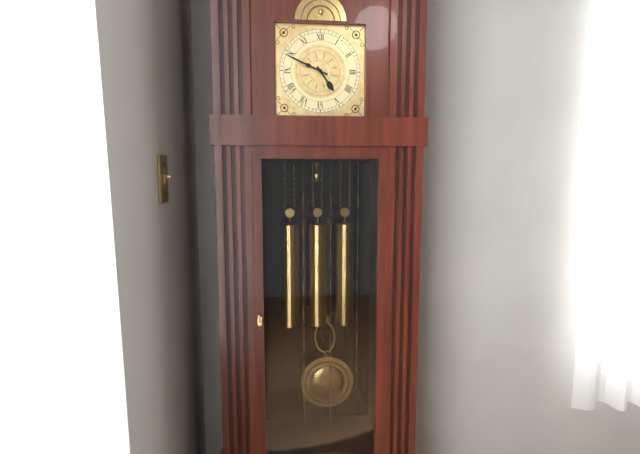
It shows 4,49
